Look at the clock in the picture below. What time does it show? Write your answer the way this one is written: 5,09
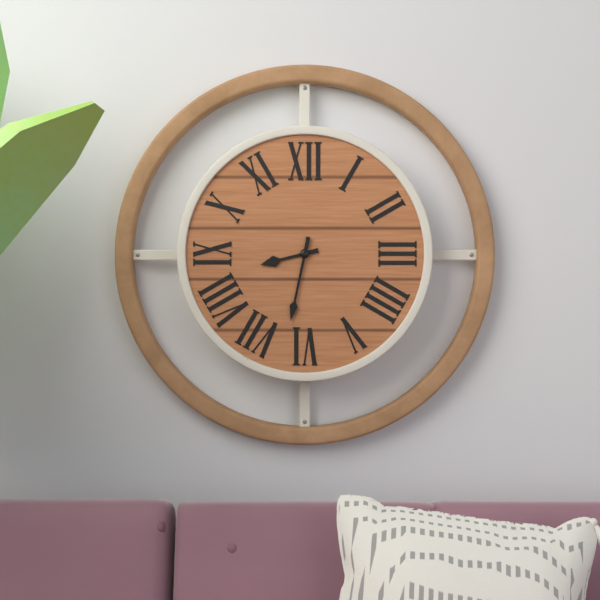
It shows 8,32
